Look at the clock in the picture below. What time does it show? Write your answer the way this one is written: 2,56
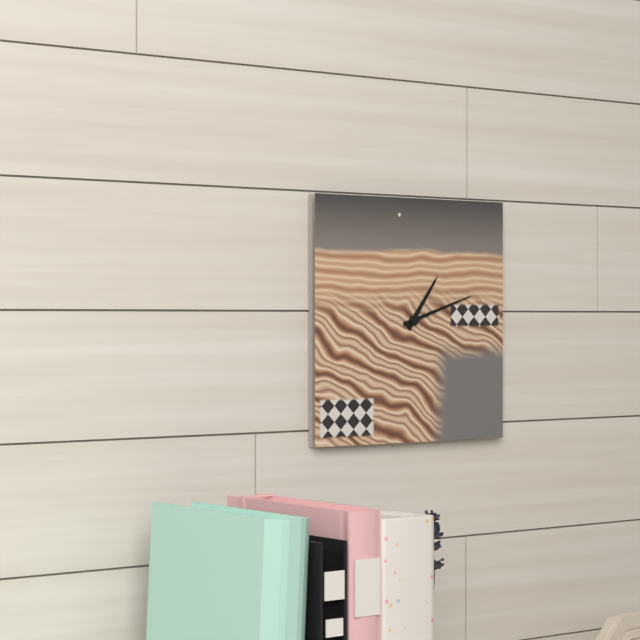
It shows 1,12
